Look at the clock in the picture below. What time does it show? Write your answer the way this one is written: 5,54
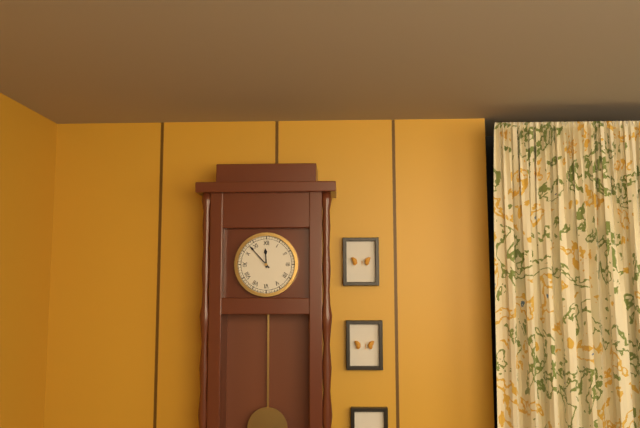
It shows 11,53
